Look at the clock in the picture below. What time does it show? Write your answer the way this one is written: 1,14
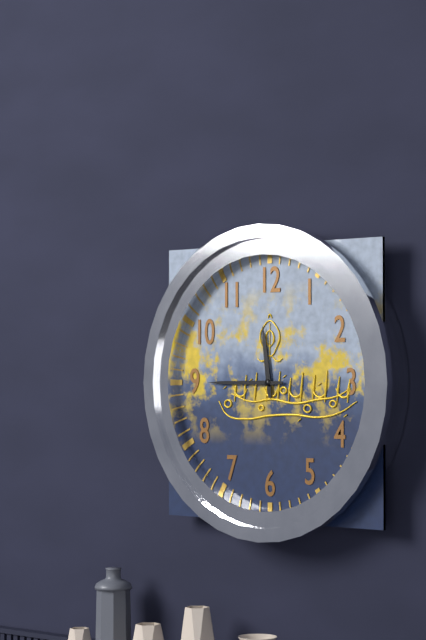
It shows 11,45
